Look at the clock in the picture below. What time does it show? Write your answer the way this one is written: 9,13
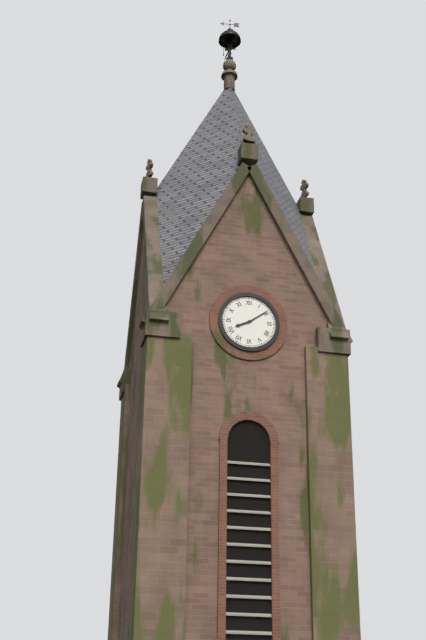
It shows 8,09
